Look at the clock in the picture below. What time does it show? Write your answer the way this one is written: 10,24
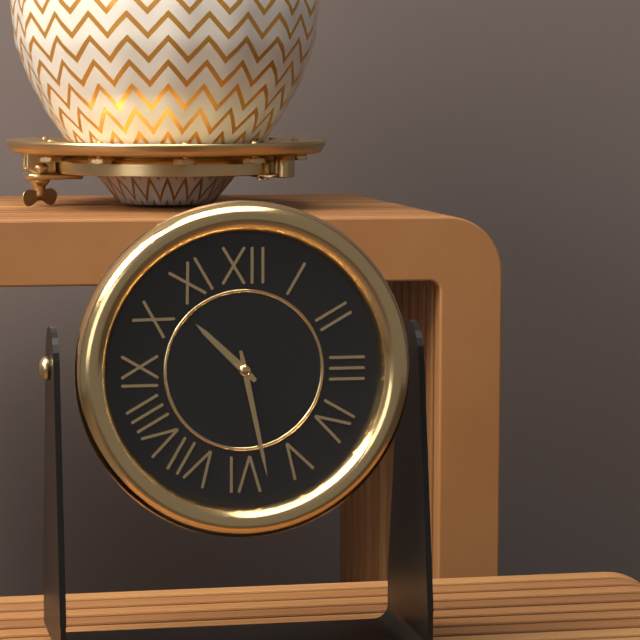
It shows 10,28
